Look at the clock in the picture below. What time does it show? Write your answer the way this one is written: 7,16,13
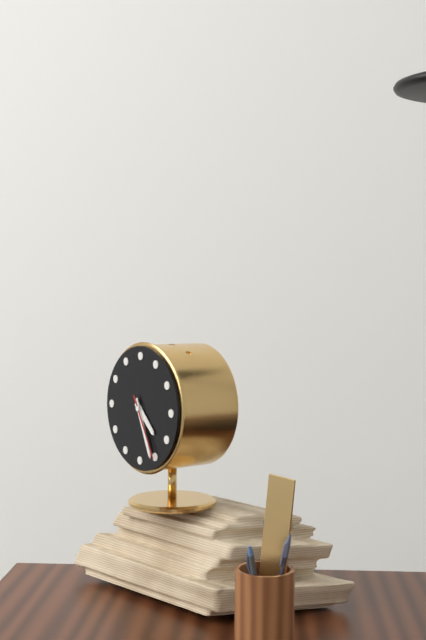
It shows 4,26,25
